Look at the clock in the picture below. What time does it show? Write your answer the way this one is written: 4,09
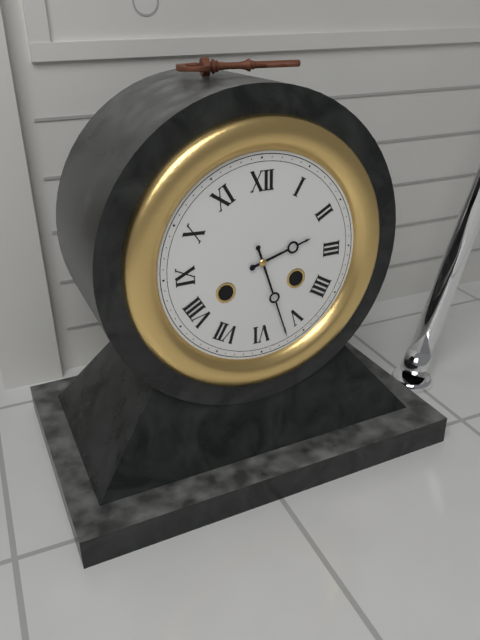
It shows 2,27
